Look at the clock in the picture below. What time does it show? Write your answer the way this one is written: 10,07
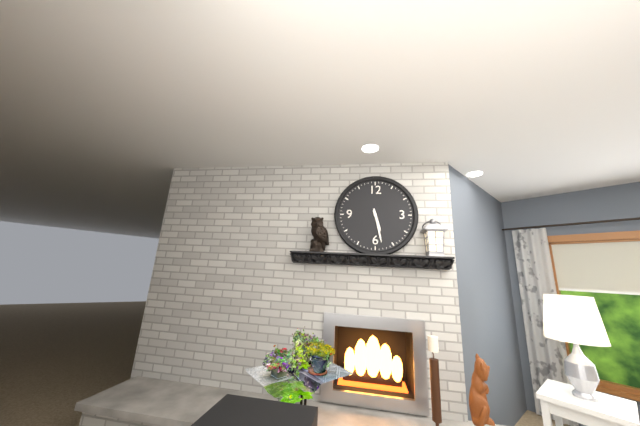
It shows 5,28
